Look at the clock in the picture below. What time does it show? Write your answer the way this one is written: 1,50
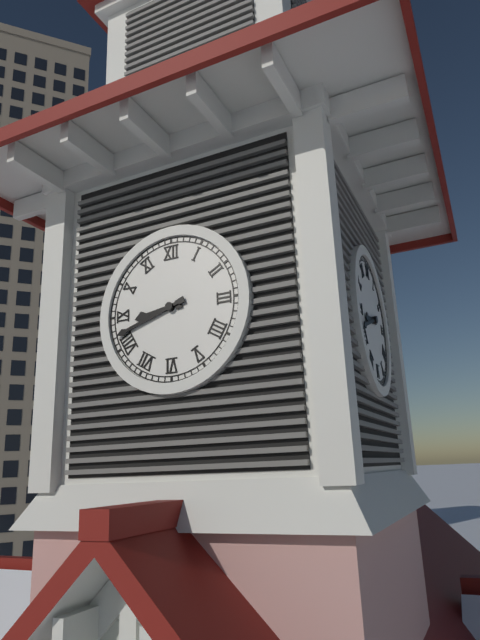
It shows 8,42
